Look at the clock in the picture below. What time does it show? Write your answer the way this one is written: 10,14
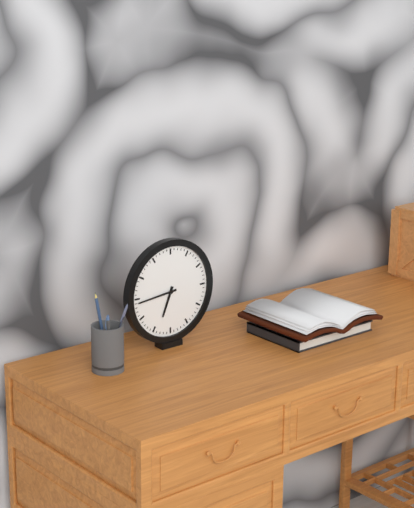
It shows 6,44
